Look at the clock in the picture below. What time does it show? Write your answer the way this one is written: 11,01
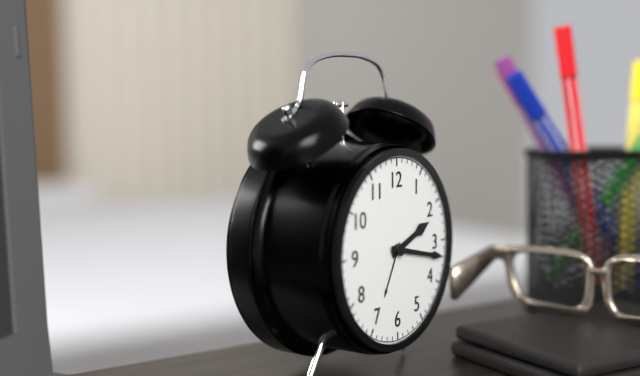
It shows 2,17
